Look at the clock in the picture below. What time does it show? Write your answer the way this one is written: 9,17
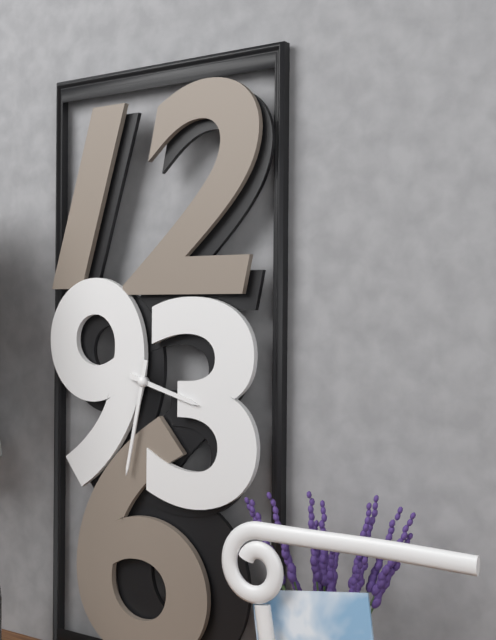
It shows 3,32
